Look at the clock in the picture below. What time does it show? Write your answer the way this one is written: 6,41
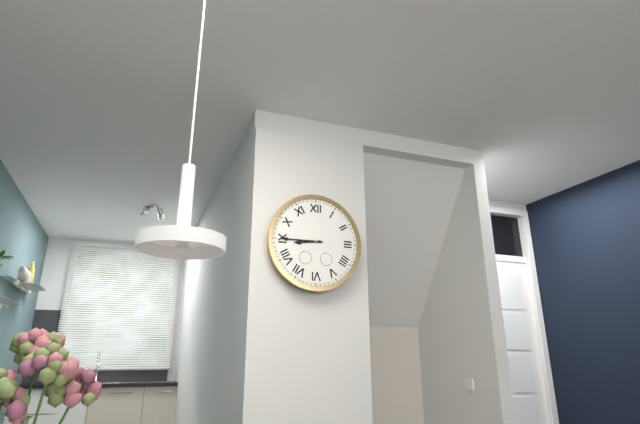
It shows 8,45
